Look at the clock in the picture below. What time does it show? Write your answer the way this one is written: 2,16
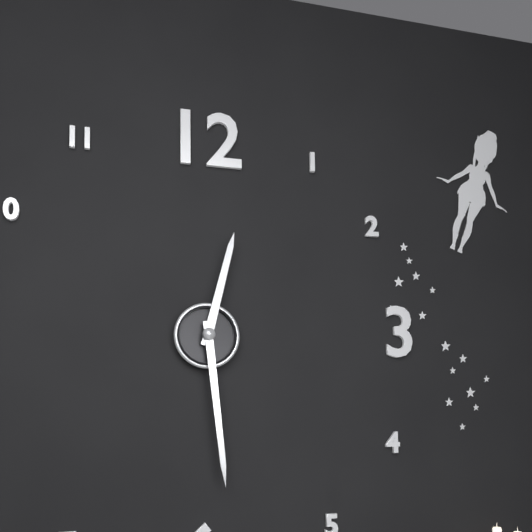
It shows 12,29
